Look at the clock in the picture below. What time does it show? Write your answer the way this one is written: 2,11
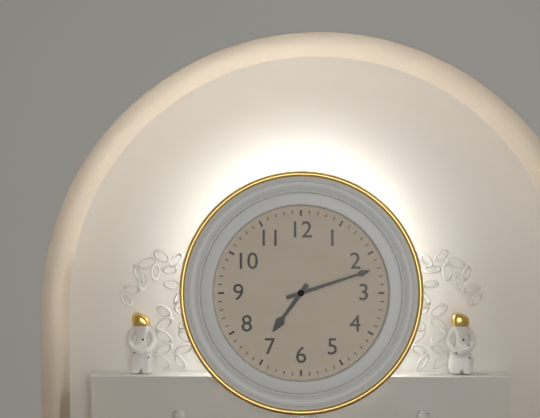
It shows 7,12
